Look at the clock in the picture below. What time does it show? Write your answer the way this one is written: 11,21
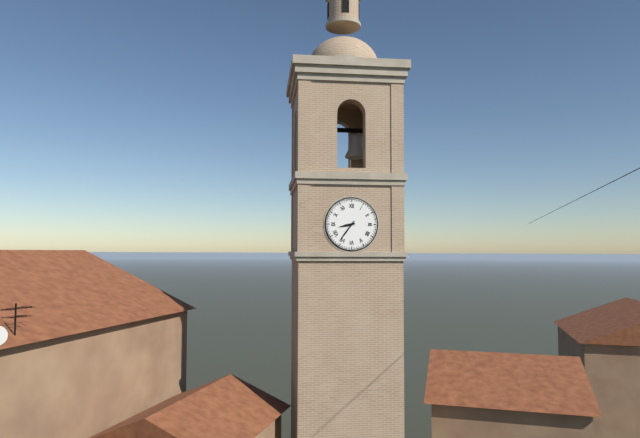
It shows 8,36
